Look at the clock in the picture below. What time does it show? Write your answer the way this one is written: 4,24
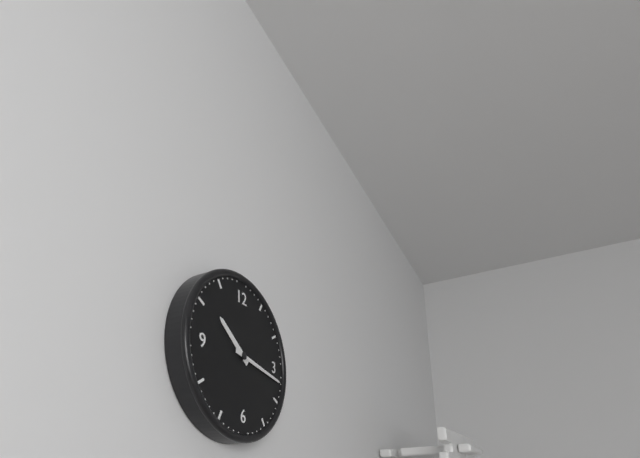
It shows 10,17
